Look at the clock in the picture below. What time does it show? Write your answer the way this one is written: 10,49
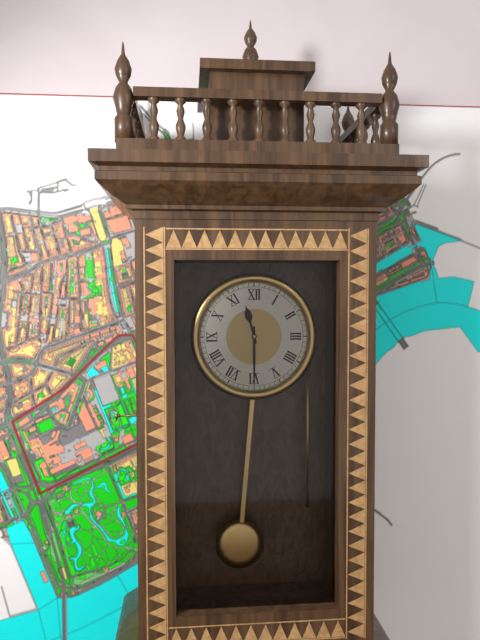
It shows 11,30
